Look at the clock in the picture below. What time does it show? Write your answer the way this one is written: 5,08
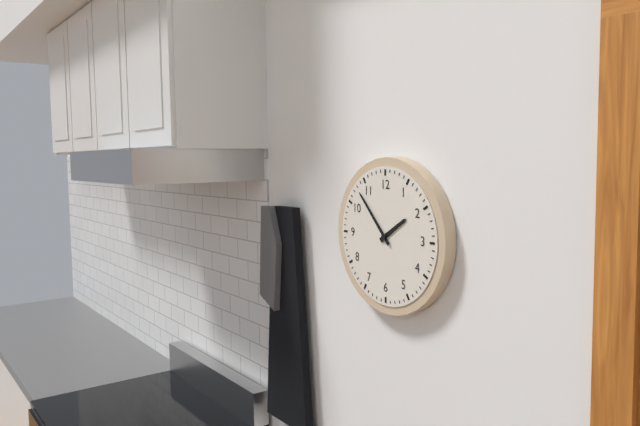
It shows 1,53
